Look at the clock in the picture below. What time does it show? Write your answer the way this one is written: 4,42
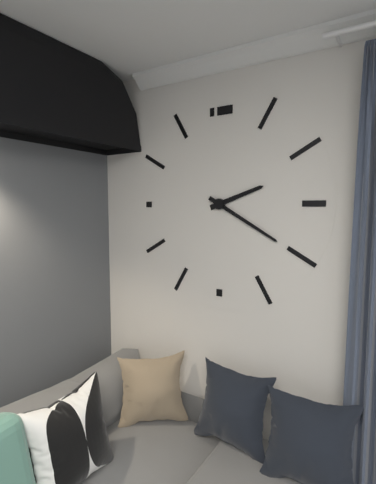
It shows 2,20
